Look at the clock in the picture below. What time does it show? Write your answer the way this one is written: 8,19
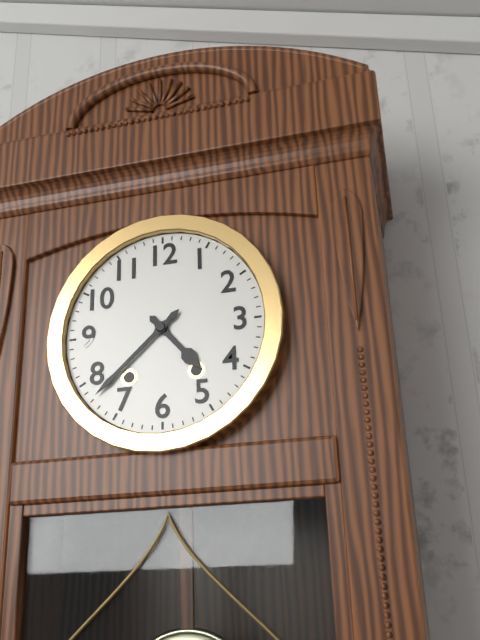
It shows 4,38
